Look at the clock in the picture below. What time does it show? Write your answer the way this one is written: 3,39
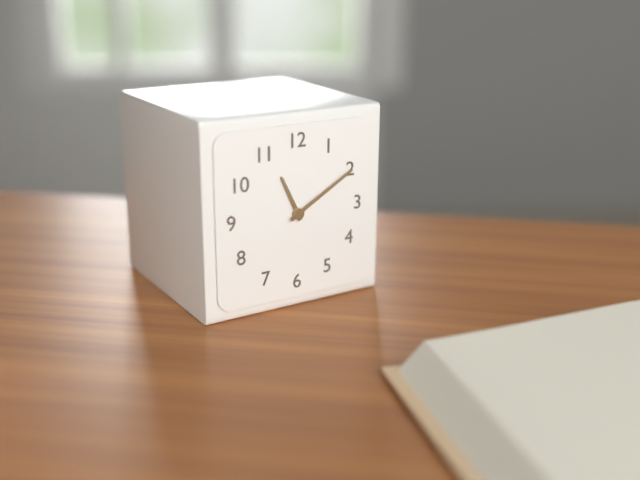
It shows 11,10
